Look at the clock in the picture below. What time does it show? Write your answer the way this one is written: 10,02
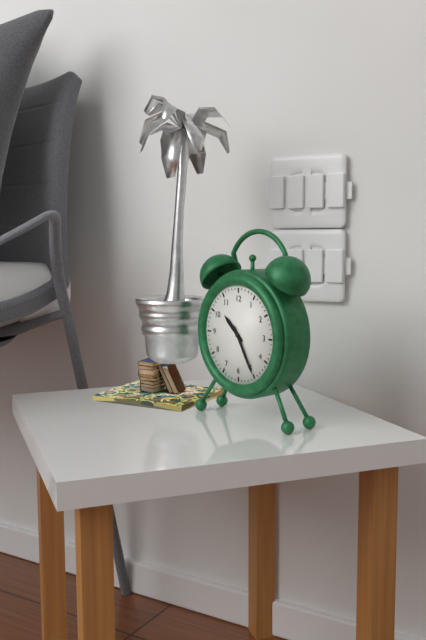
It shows 10,25
